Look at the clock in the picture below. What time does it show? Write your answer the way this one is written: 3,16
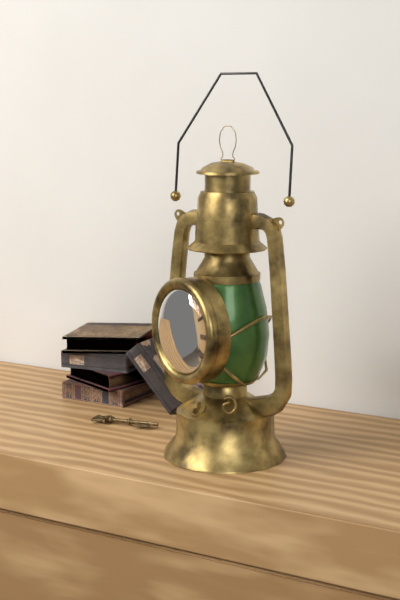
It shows 10,32
